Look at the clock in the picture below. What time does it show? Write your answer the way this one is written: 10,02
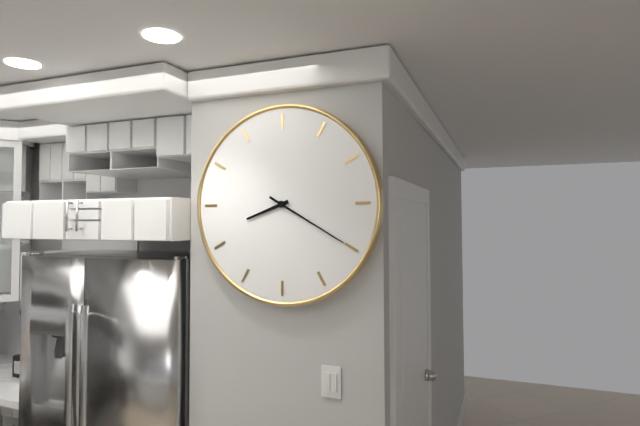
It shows 8,20
